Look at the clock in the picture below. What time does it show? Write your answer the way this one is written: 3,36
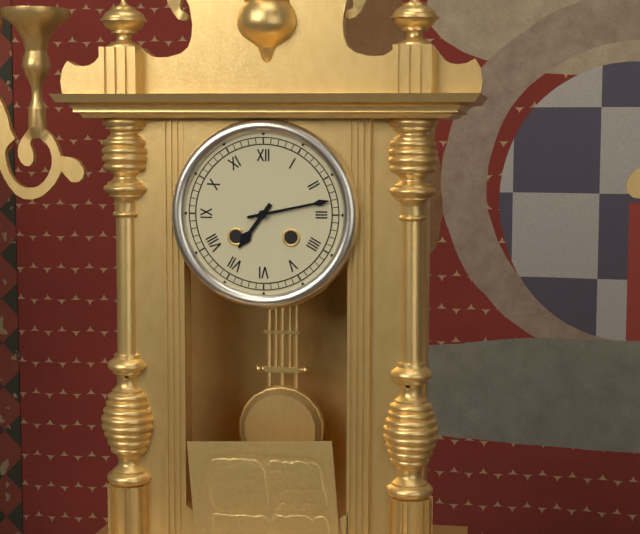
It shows 7,13
